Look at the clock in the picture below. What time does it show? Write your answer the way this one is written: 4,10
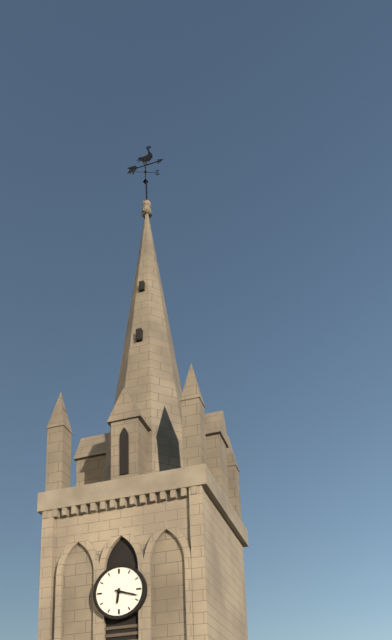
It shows 6,18
